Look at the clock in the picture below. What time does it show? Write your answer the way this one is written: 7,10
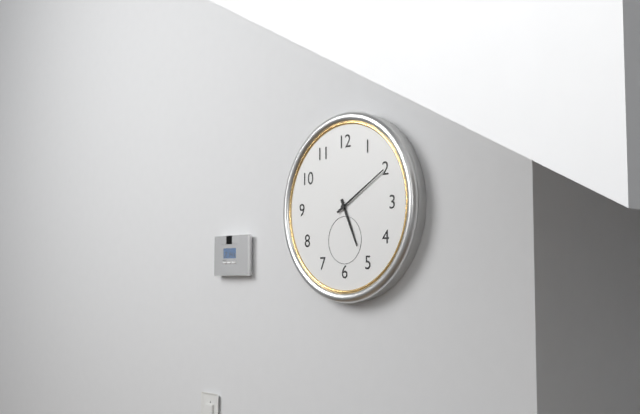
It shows 5,10
